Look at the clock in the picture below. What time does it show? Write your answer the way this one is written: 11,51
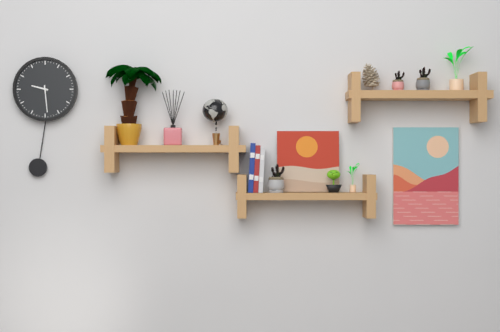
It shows 9,29
